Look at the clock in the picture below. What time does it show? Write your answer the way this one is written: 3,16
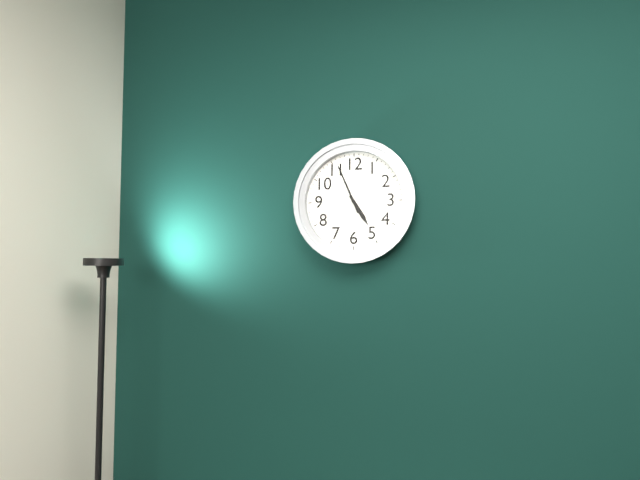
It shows 4,56
